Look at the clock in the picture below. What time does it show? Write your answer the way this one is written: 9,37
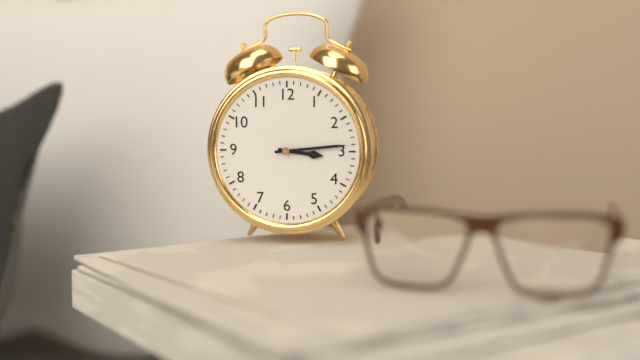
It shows 3,14
